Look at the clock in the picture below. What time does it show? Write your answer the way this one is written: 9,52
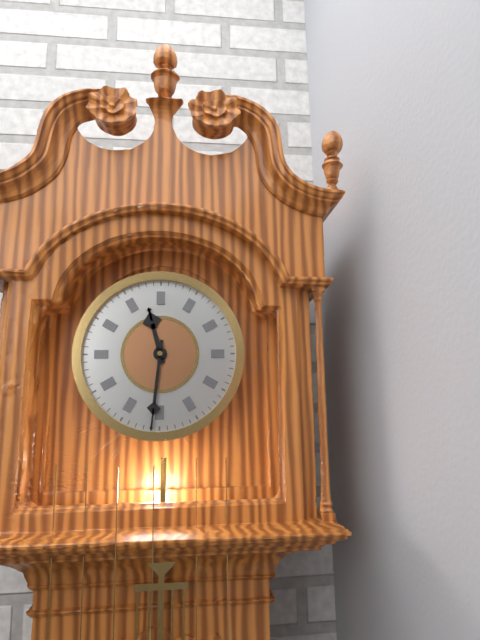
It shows 11,31
